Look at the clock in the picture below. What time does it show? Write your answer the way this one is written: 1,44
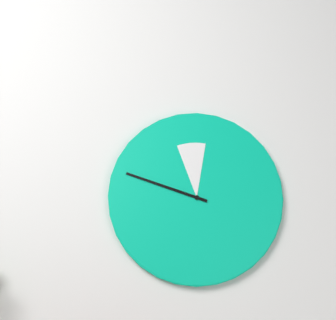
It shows 11,48
